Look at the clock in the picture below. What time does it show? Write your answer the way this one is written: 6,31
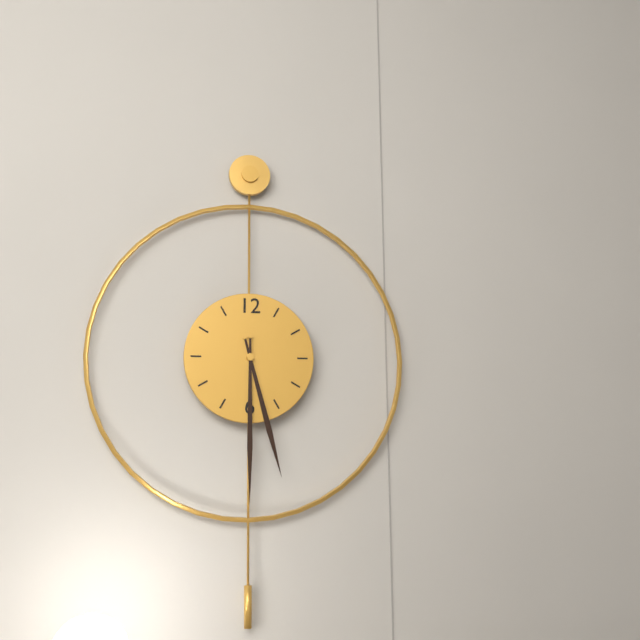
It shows 5,30
